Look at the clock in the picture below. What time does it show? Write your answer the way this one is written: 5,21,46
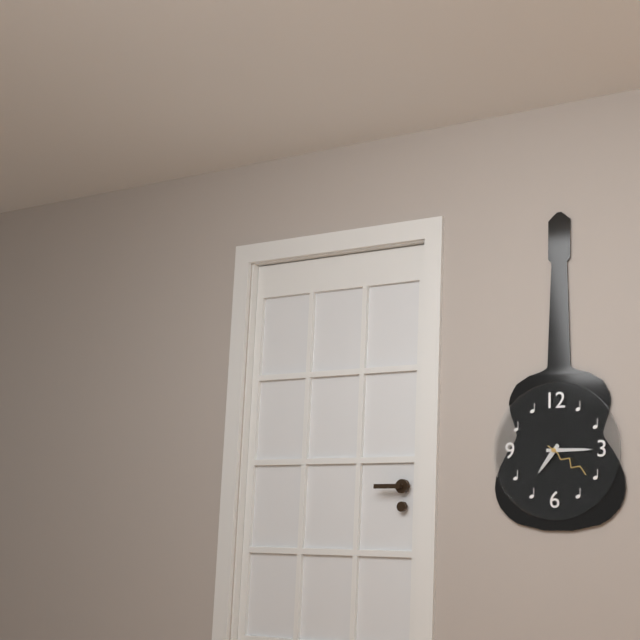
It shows 7,15,21
